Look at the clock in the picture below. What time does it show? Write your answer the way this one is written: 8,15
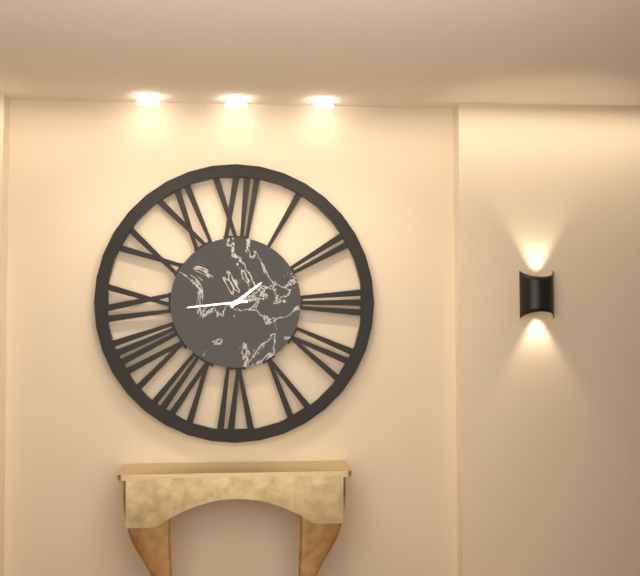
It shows 1,44
